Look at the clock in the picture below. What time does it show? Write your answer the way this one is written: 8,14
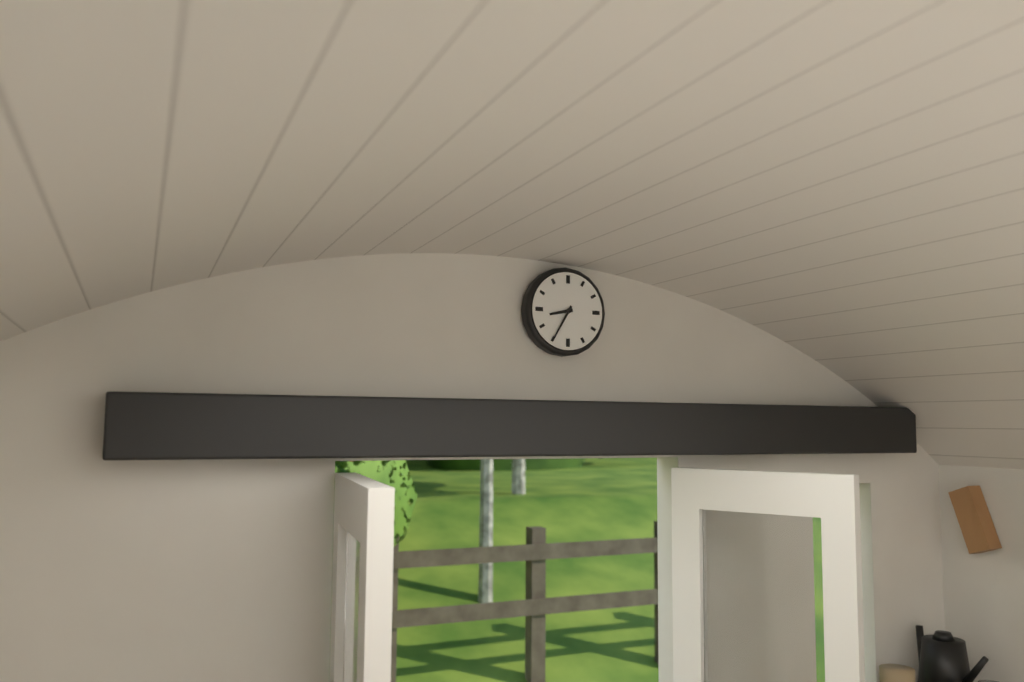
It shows 8,35
